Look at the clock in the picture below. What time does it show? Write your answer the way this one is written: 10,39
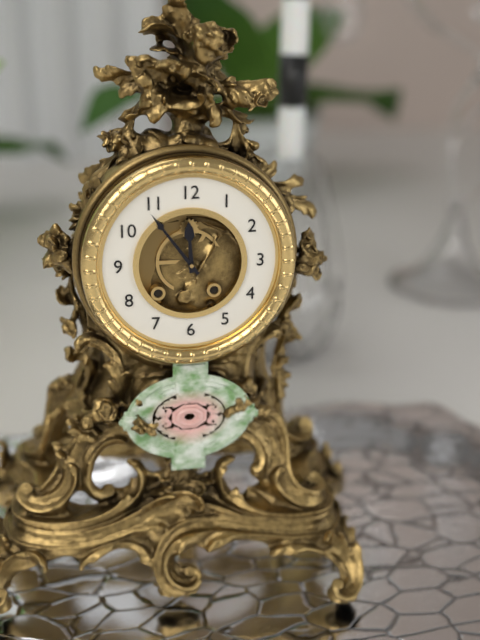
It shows 11,54
